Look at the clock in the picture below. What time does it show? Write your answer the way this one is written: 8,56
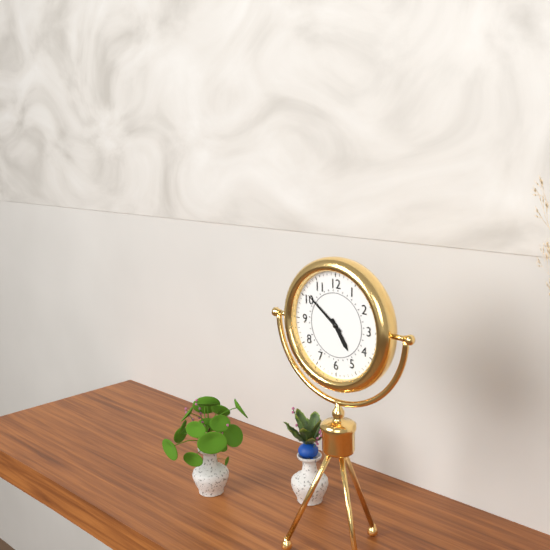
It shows 4,51
